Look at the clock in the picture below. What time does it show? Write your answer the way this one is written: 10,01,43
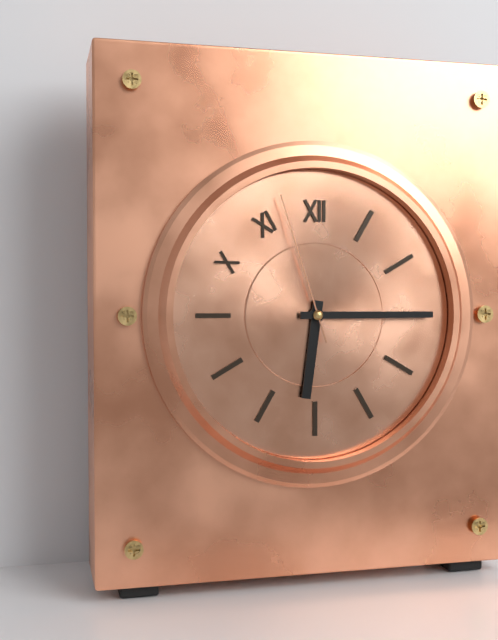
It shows 6,15,57
